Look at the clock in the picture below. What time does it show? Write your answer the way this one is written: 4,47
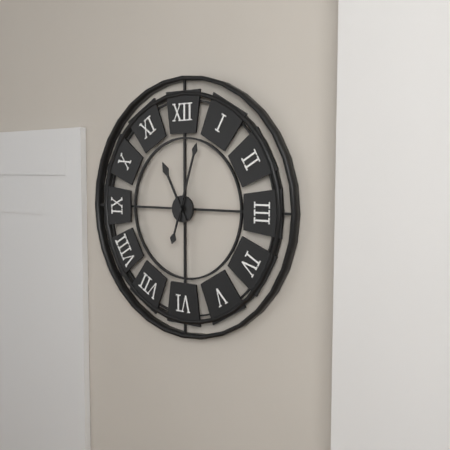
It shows 11,03
